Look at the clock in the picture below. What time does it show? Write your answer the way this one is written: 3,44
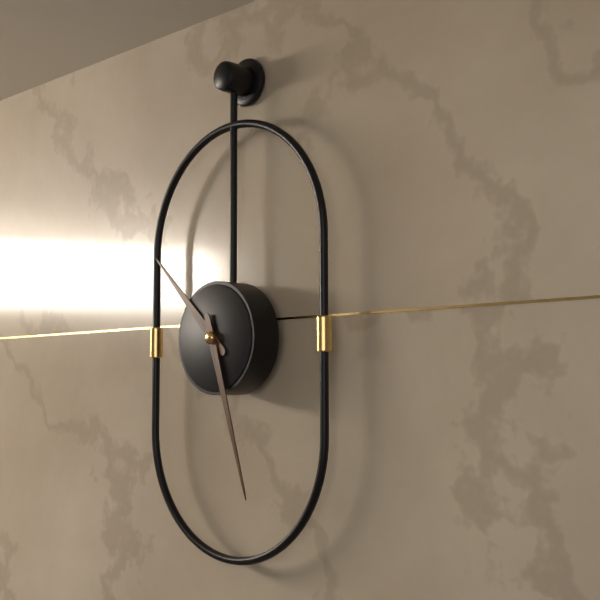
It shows 10,27
